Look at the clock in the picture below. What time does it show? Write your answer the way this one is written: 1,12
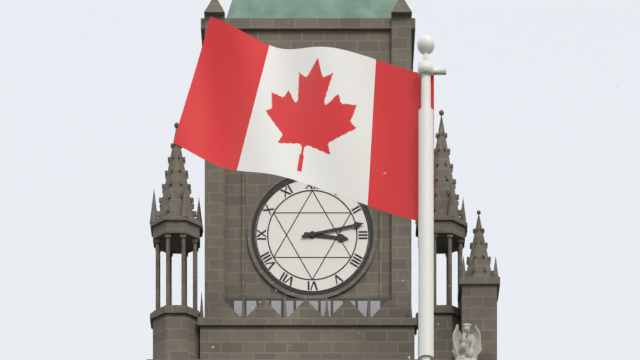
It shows 3,13
